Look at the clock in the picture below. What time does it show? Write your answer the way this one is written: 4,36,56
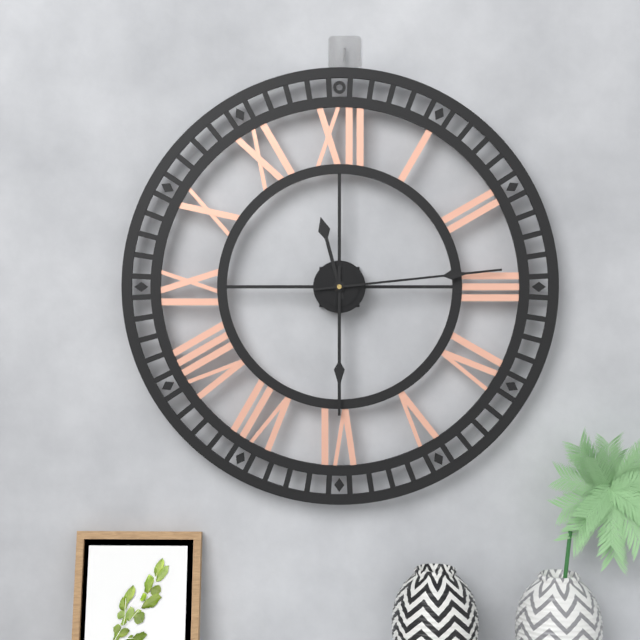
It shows 11,30,14
